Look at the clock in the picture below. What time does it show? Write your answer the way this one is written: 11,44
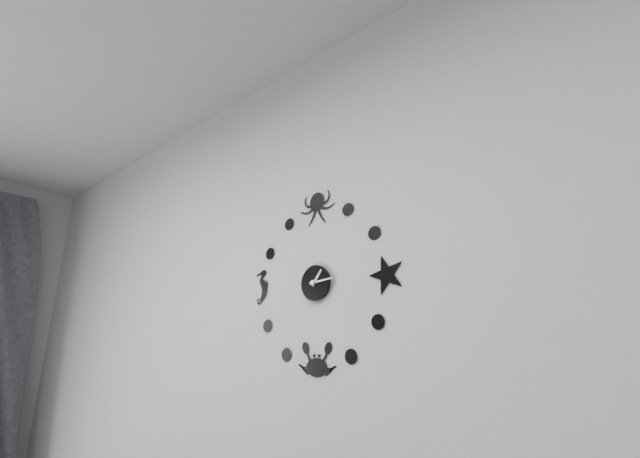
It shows 1,14
